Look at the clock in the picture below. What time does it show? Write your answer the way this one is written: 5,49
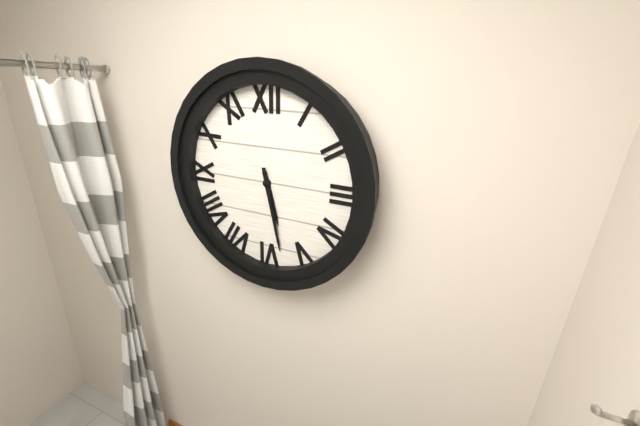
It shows 5,28
